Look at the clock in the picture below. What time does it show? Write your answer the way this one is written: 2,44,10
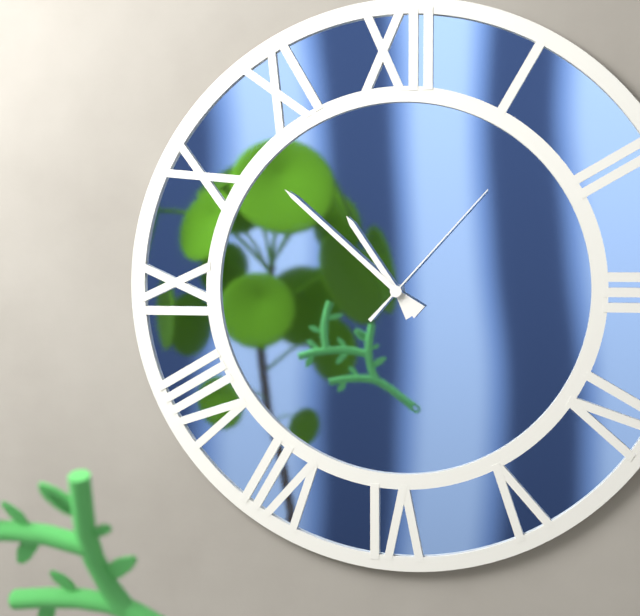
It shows 10,52,07
